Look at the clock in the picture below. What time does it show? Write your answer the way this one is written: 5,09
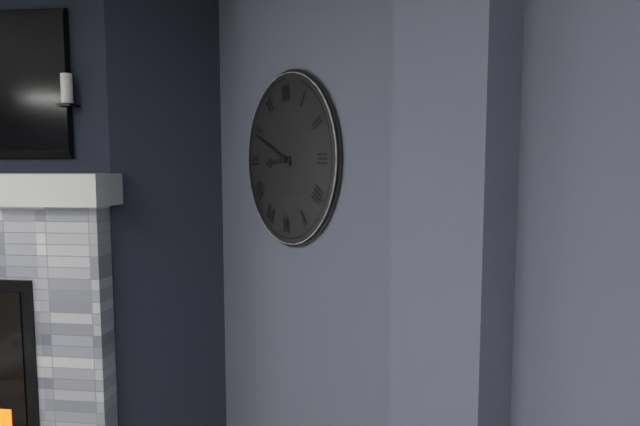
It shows 8,49
